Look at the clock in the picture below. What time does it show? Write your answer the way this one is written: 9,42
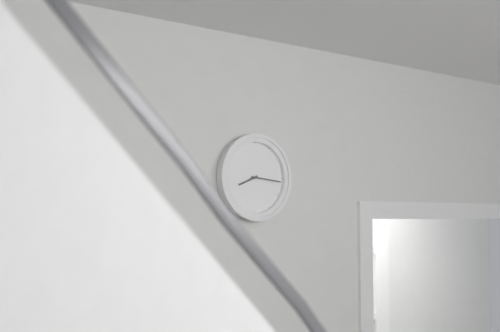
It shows 8,16
